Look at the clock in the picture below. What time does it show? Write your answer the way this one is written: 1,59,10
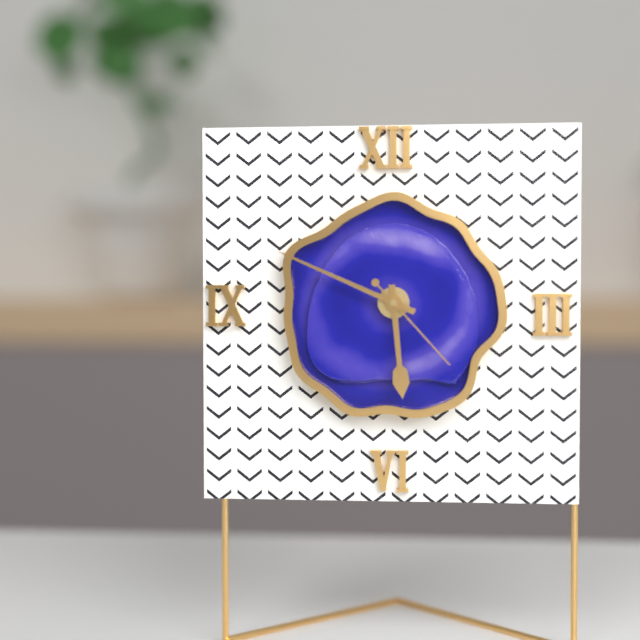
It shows 5,49,23
